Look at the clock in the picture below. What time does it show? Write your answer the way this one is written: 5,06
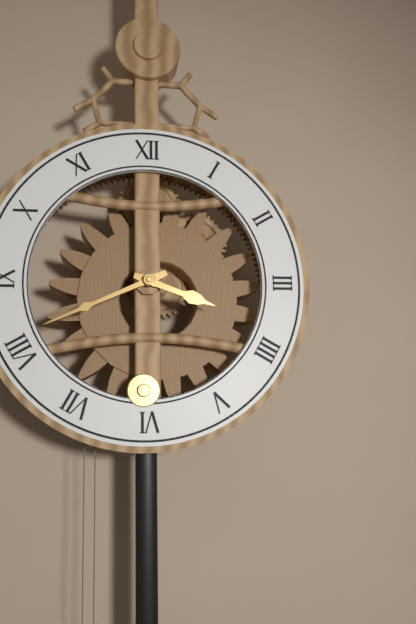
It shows 3,41
